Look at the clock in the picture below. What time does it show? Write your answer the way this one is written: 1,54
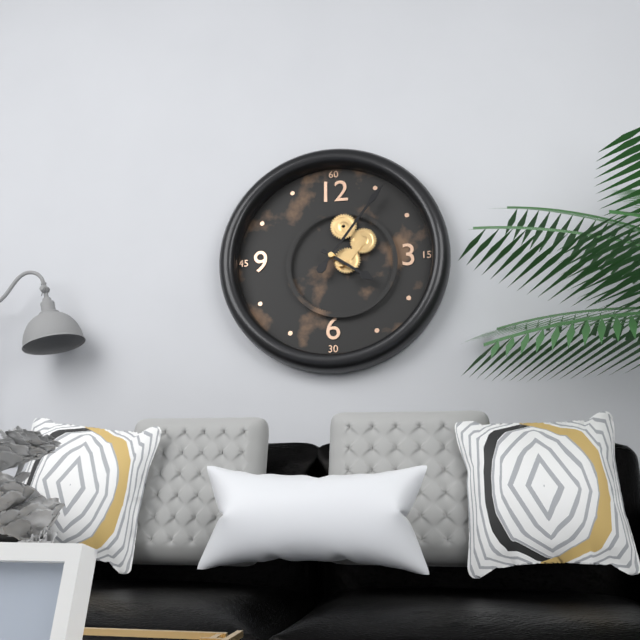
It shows 4,06
